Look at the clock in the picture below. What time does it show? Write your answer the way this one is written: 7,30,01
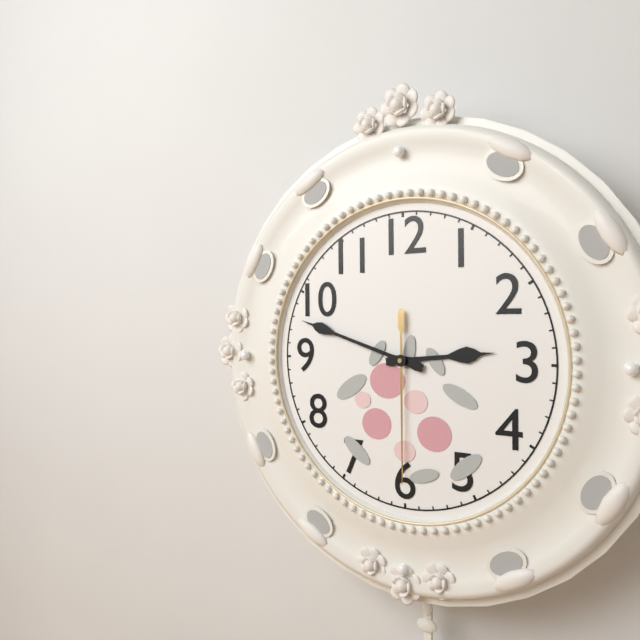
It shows 2,48,30
